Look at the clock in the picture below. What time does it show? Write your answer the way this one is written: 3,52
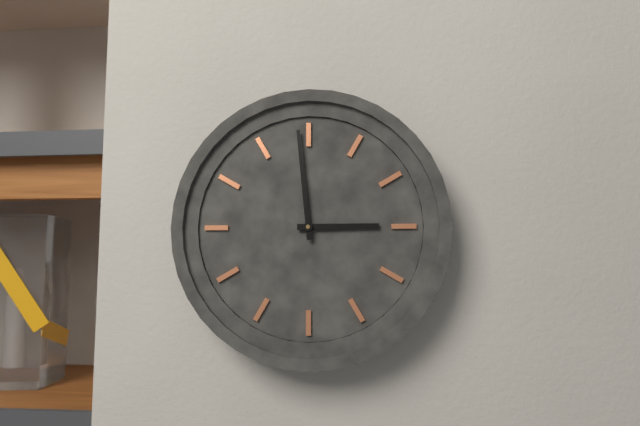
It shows 2,59
